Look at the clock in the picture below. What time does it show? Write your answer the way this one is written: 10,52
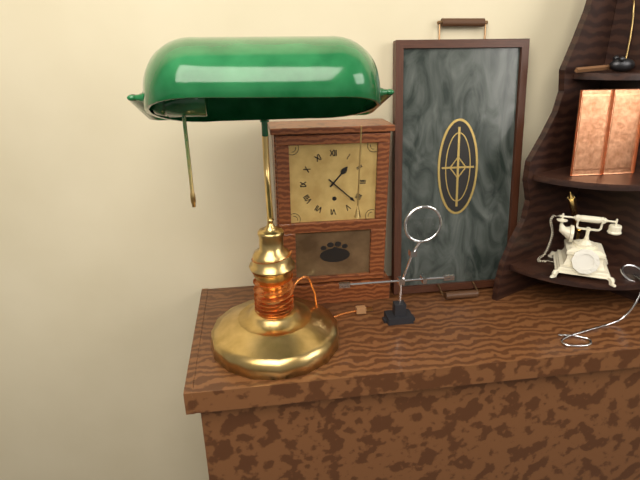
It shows 1,22
